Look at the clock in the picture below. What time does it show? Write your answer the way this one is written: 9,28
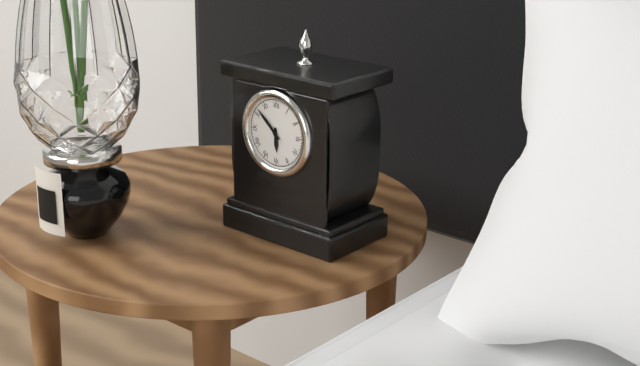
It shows 5,52
